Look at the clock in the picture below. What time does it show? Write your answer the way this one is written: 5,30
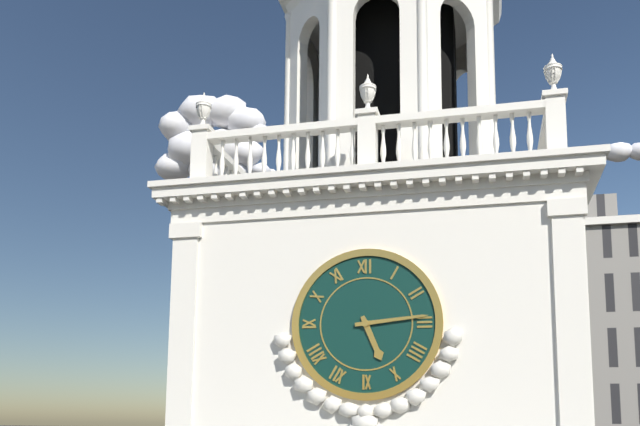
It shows 5,14
